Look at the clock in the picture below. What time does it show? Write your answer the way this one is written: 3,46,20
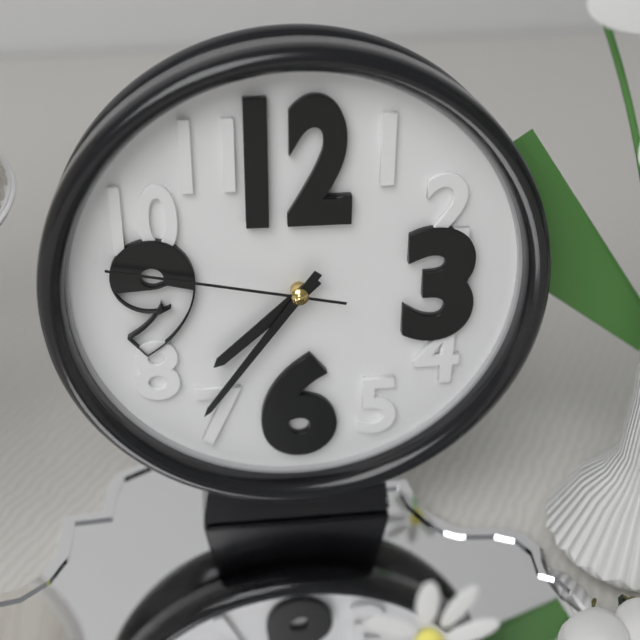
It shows 7,36,47
